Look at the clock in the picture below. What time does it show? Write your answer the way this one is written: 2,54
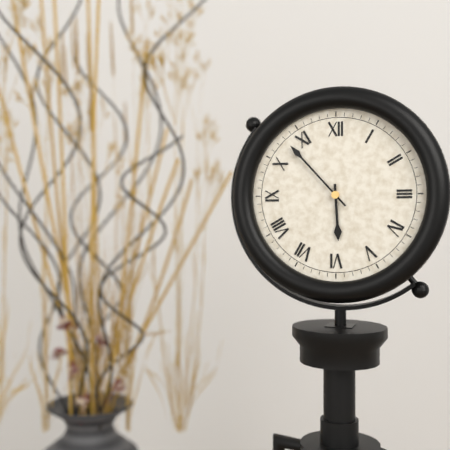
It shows 5,53
